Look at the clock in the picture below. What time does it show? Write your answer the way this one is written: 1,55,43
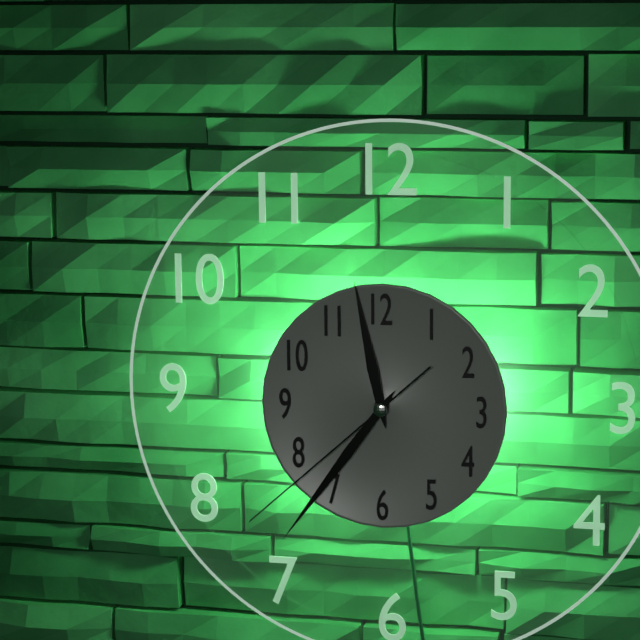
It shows 11,36,38
